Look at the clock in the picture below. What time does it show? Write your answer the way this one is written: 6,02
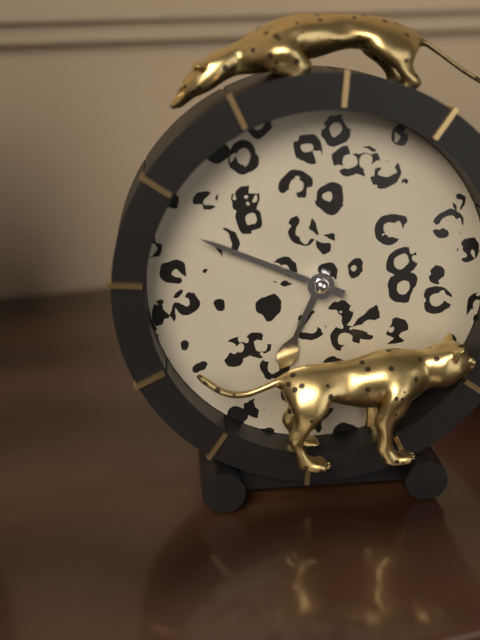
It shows 6,49
